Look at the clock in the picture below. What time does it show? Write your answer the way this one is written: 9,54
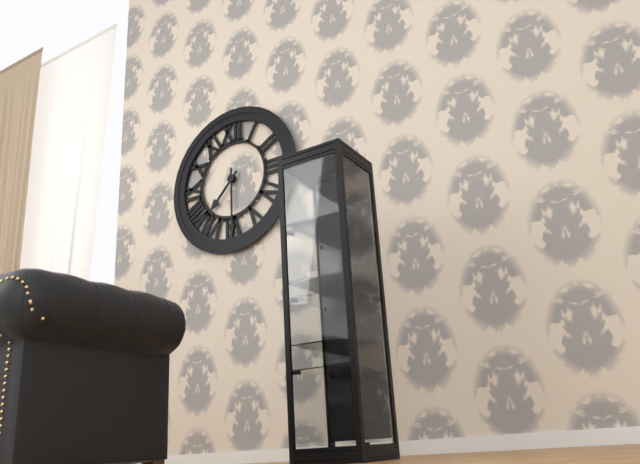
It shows 7,30
